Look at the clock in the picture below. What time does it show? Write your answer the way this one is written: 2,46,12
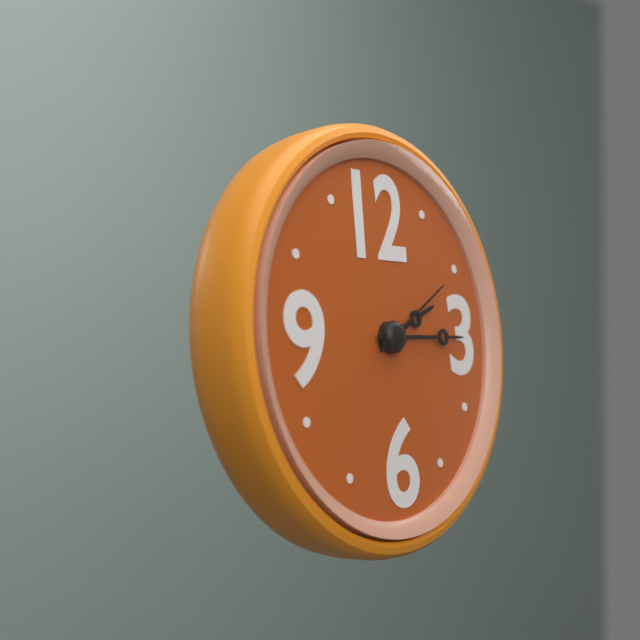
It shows 2,15,10
